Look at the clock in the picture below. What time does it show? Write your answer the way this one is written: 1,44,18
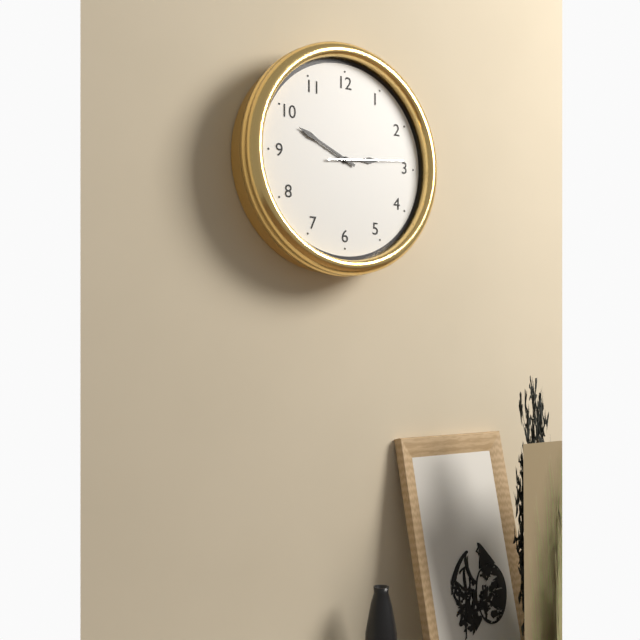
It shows 2,49,14
